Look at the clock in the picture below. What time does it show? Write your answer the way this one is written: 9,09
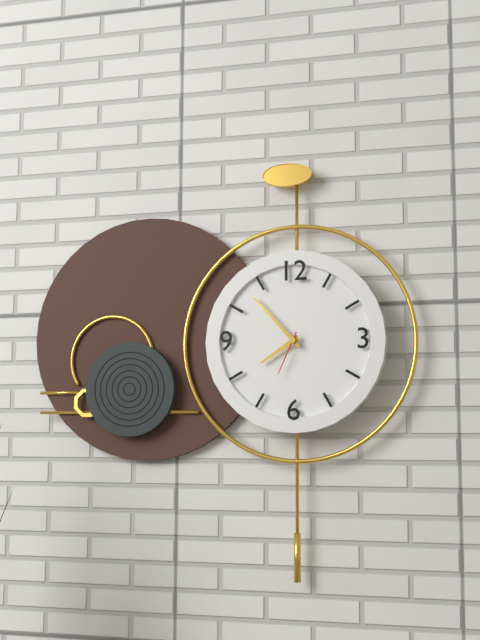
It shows 7,53
